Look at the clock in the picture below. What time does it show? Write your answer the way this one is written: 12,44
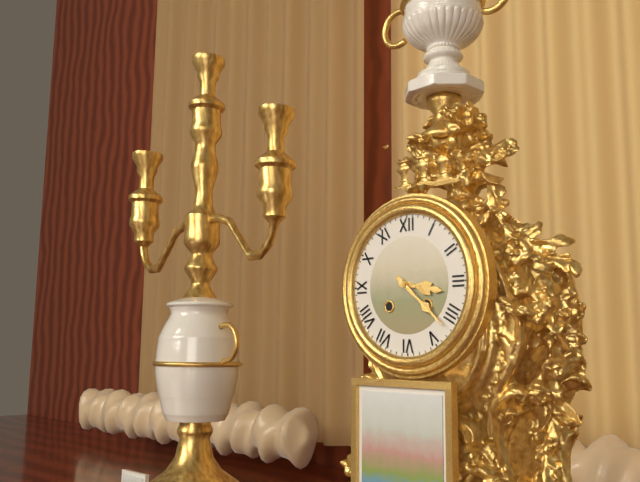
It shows 3,22
